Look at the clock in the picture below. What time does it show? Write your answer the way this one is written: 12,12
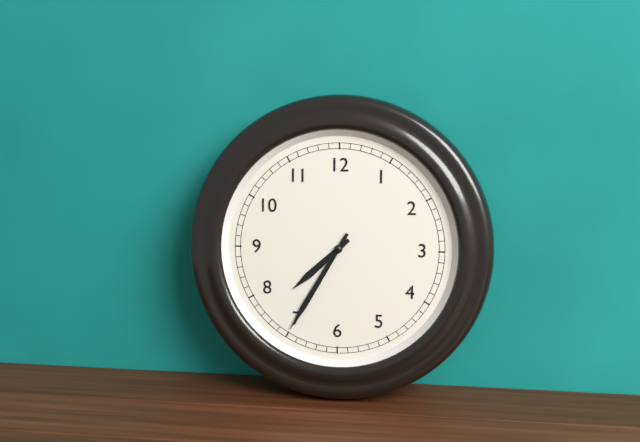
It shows 7,35
